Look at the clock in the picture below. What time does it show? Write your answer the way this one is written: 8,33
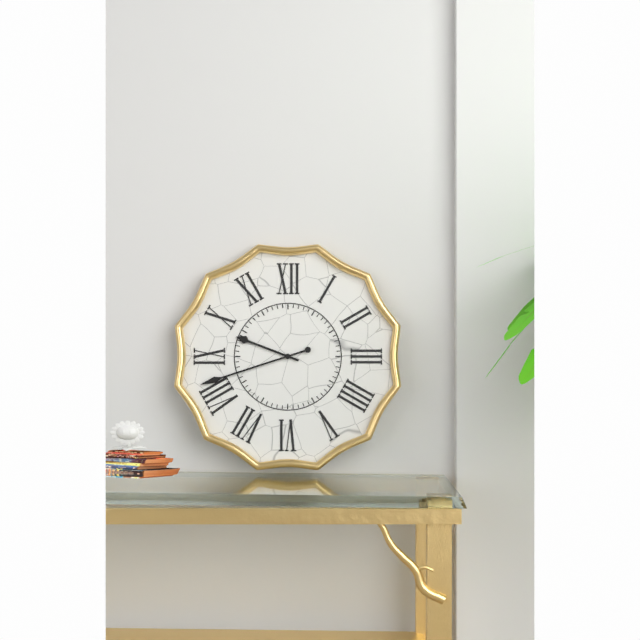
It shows 9,42
